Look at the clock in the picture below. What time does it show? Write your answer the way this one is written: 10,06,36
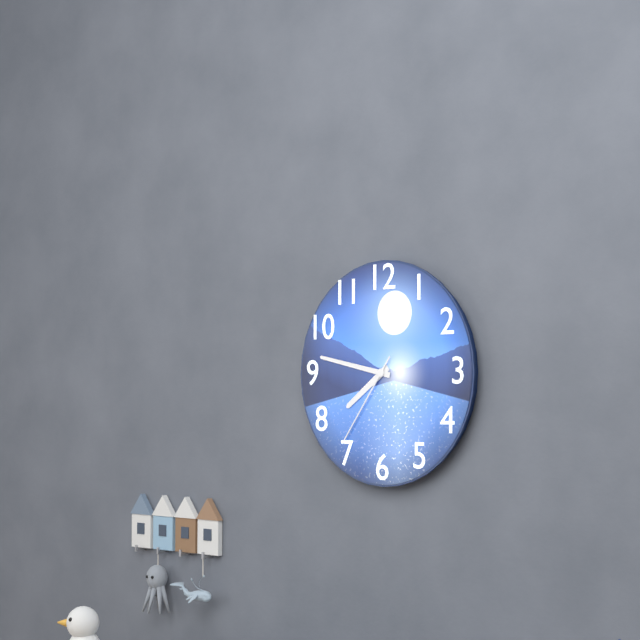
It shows 7,47,36
